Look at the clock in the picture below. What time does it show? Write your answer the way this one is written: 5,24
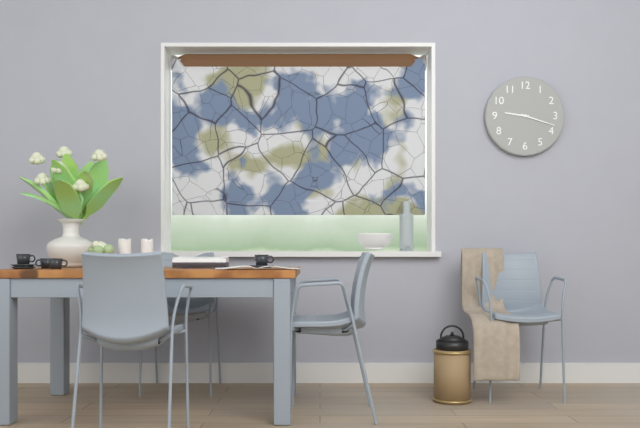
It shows 9,18
